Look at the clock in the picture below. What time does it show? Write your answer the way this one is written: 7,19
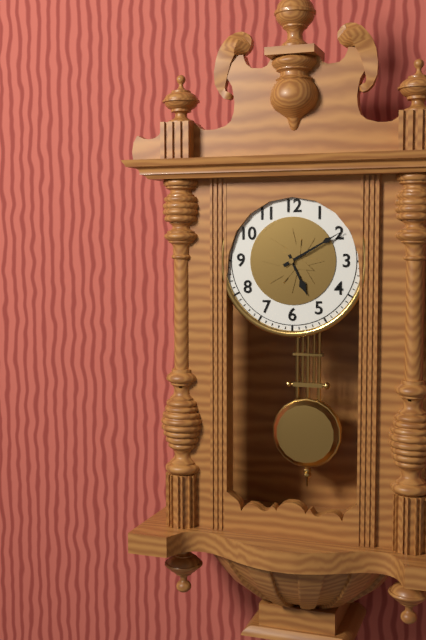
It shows 5,10
